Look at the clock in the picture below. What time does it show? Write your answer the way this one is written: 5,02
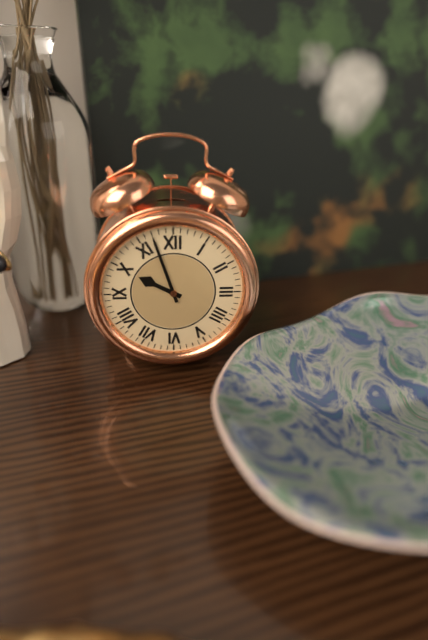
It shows 9,57
